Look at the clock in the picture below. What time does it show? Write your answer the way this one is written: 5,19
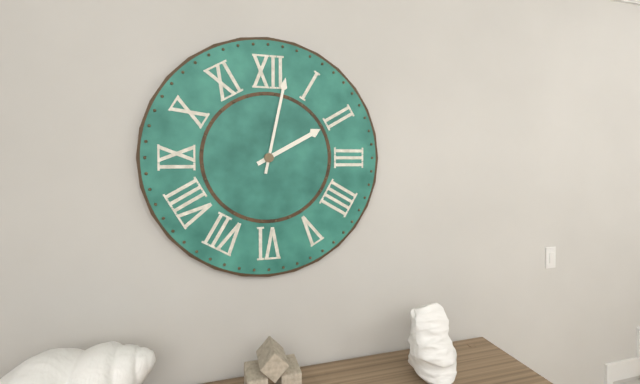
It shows 2,02
